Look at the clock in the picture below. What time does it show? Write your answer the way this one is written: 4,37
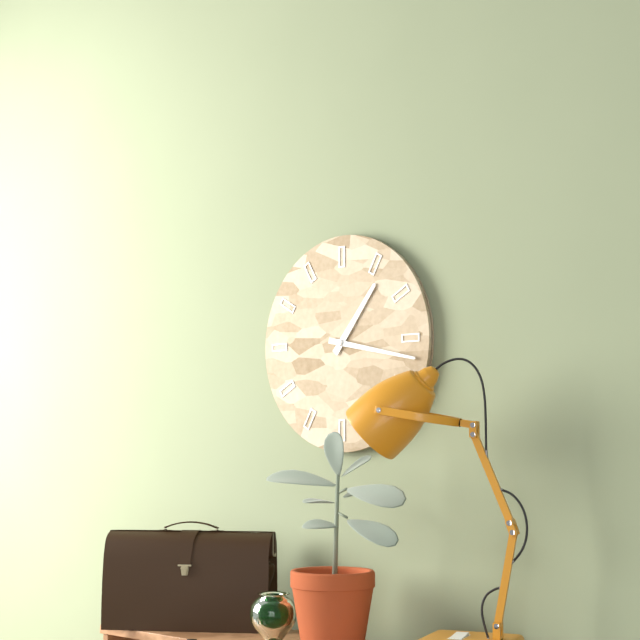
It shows 1,17
